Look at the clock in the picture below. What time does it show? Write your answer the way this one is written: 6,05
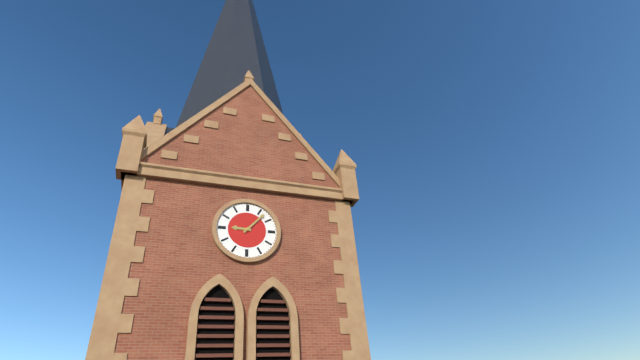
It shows 9,07
